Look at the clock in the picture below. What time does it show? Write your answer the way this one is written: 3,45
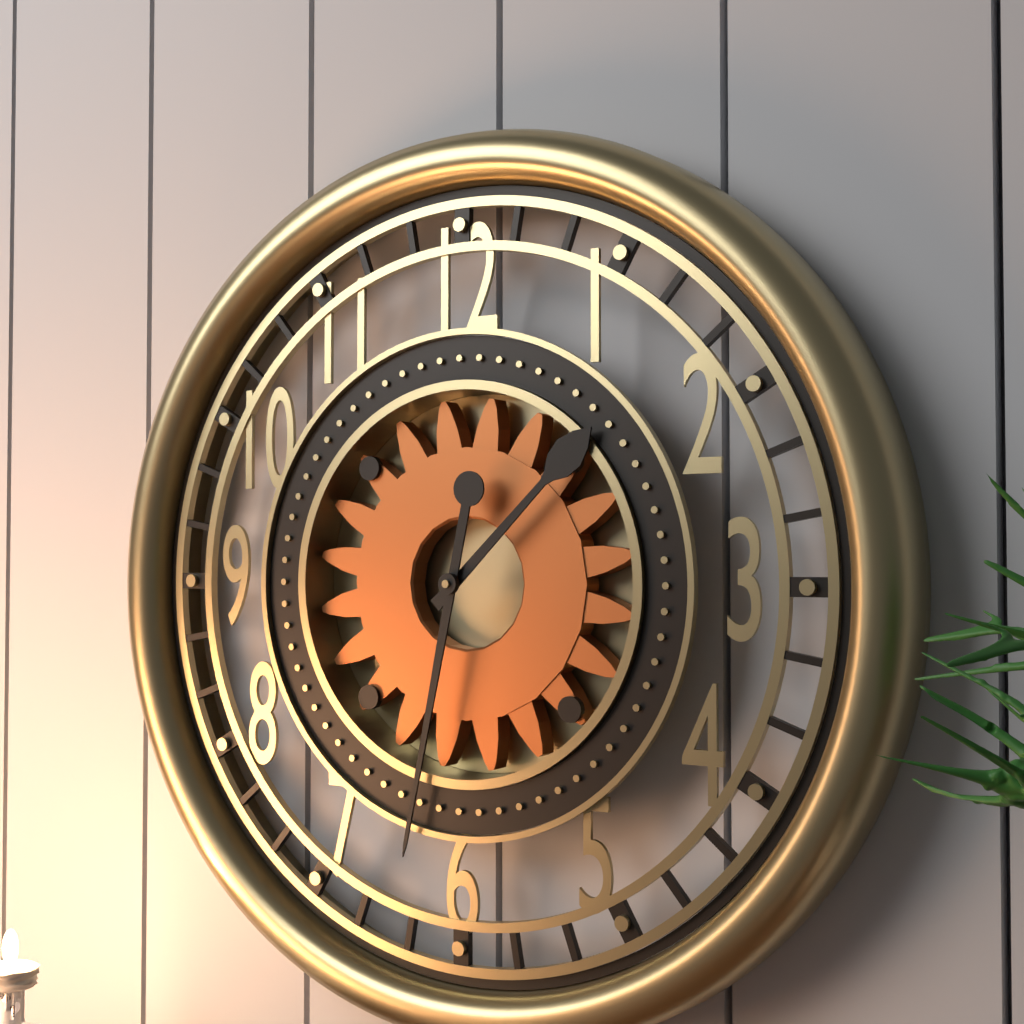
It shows 1,32
